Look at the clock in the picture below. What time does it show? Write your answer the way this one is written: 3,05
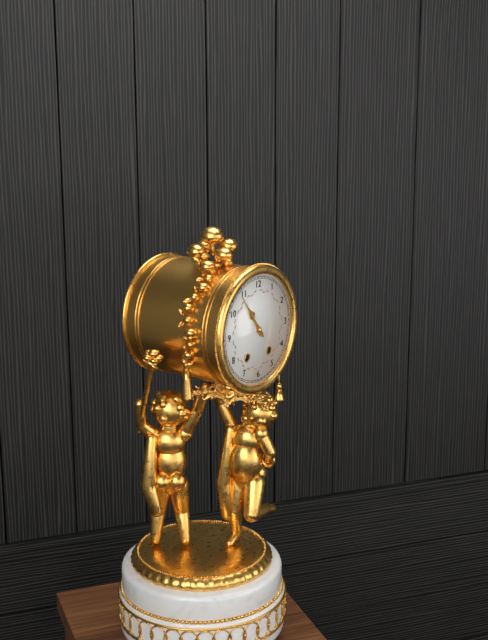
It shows 10,54
